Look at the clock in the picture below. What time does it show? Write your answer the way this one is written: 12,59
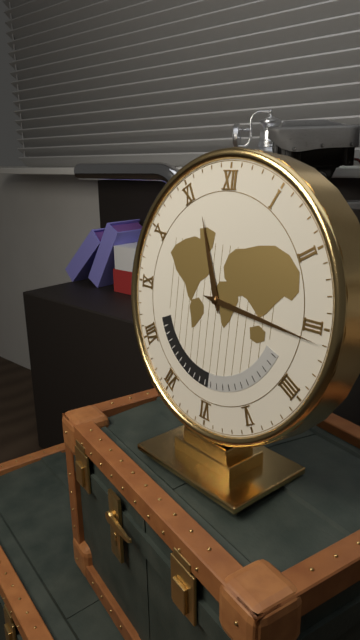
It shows 11,16
